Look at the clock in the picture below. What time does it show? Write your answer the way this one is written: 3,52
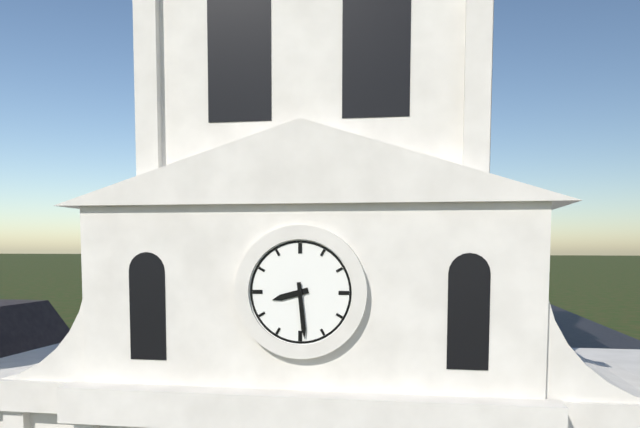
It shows 8,29
